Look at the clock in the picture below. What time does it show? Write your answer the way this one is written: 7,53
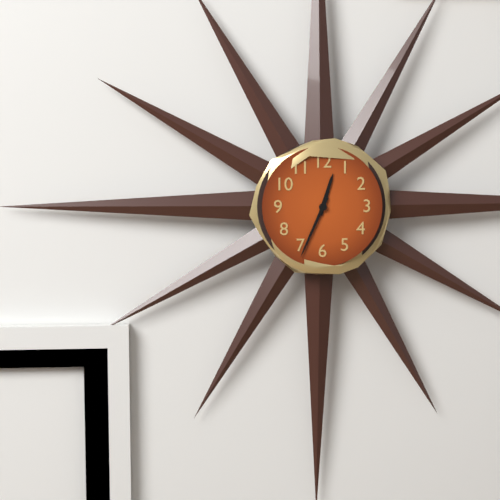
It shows 12,34
